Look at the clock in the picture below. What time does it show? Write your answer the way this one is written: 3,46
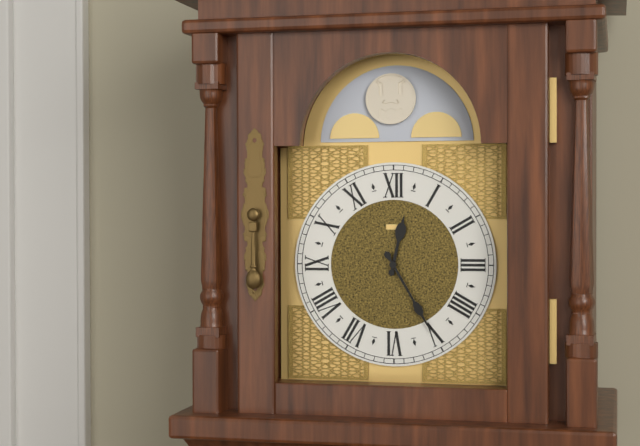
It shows 12,25
